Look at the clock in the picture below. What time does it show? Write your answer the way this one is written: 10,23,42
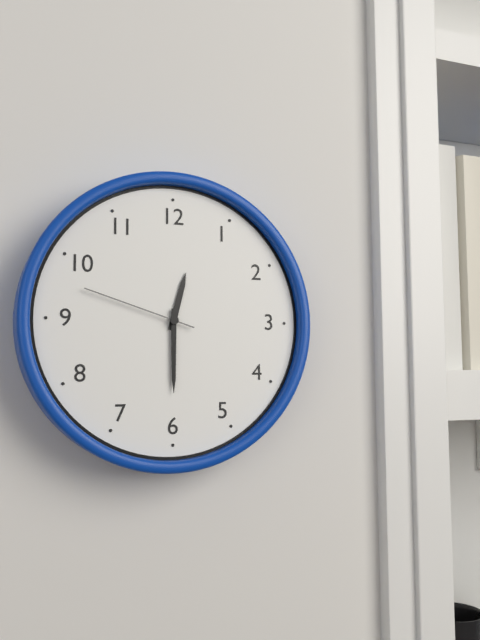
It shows 12,30,48
